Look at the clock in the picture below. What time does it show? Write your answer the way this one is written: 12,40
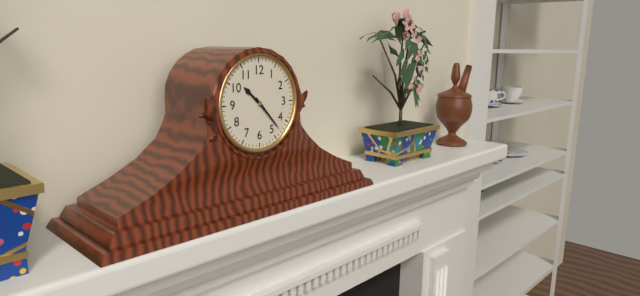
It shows 10,23
